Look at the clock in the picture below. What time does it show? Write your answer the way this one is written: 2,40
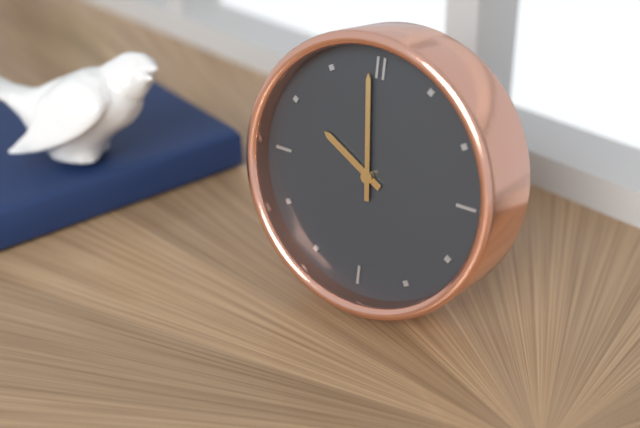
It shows 9,59
